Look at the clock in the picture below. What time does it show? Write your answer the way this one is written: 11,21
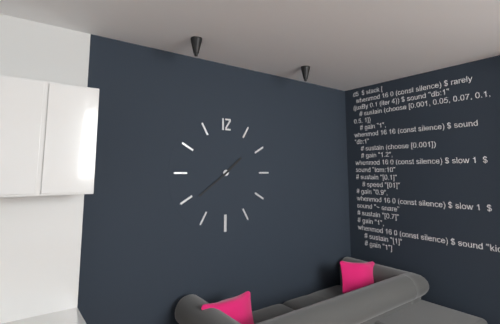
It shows 1,39
